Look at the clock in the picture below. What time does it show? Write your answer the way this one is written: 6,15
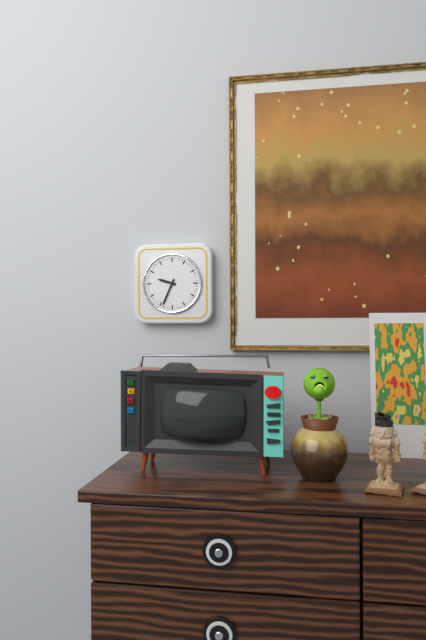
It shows 9,34
